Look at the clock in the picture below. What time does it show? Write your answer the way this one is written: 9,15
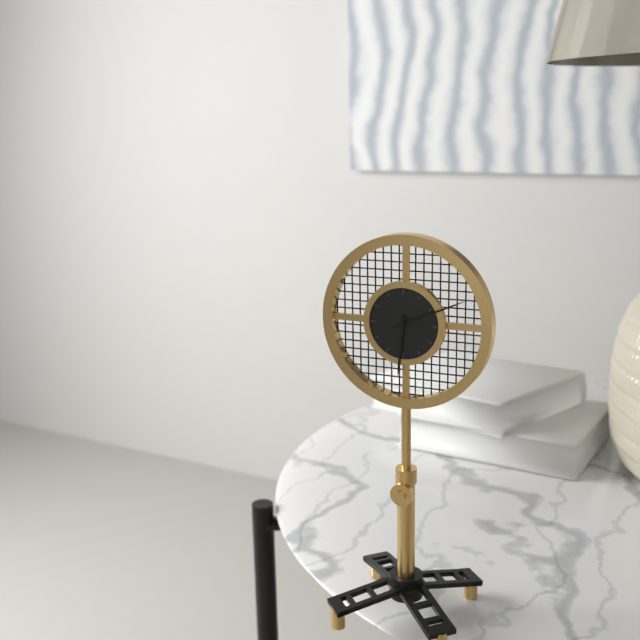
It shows 6,11
